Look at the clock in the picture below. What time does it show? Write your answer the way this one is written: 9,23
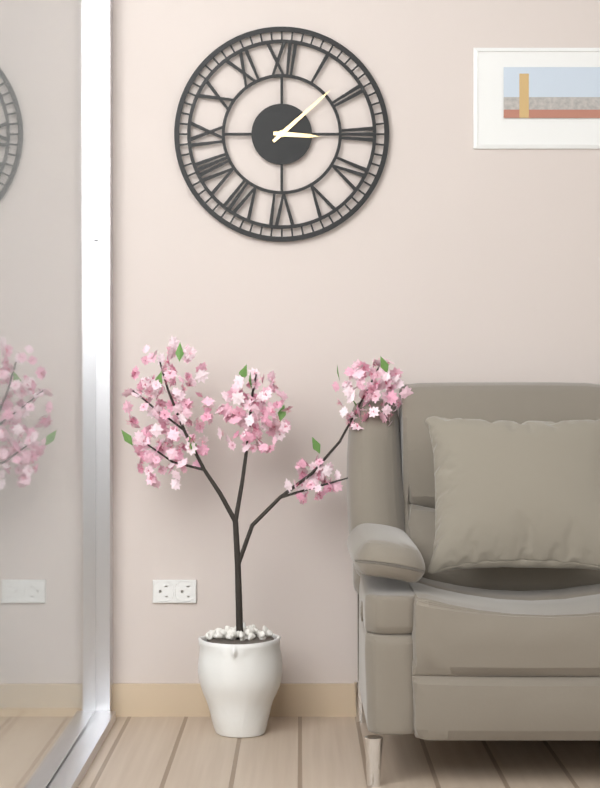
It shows 3,08
